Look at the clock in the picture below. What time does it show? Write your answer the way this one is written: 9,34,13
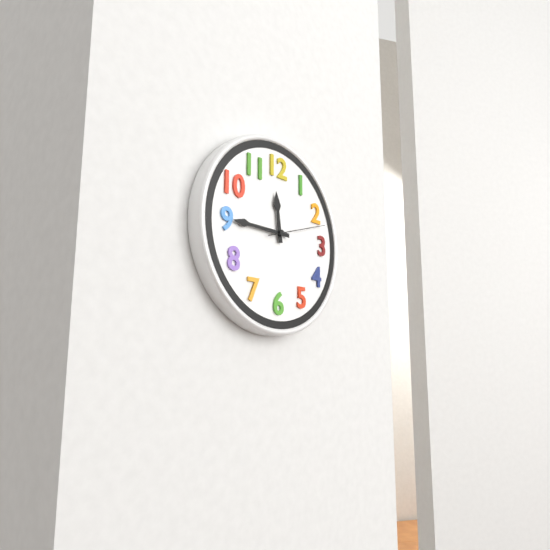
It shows 11,45,12
